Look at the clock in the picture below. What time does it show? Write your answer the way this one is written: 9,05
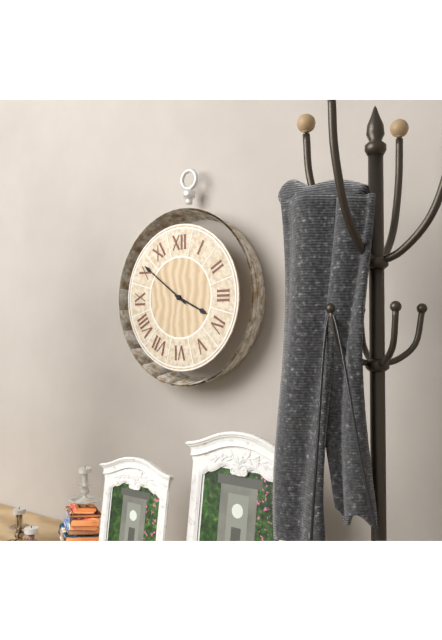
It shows 3,51
